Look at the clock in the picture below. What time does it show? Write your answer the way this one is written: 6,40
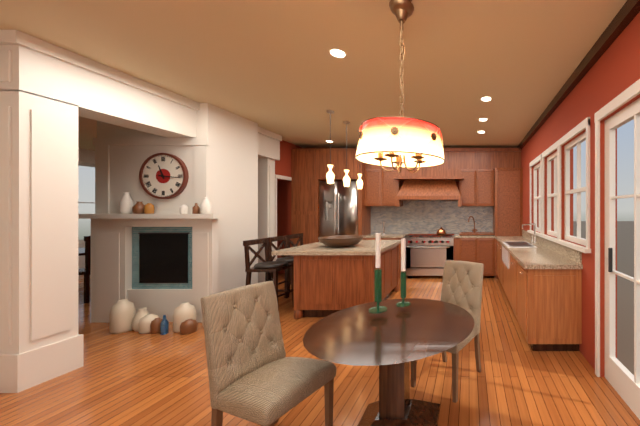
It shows 11,16
